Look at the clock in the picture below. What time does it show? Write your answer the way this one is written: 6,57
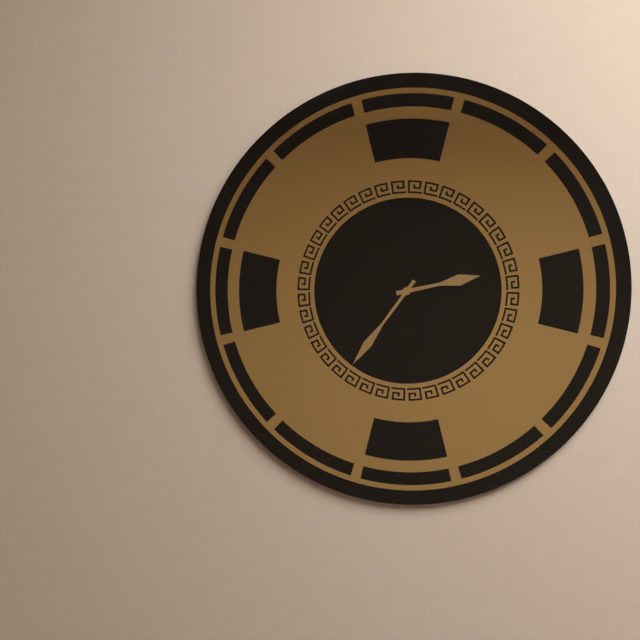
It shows 2,36
